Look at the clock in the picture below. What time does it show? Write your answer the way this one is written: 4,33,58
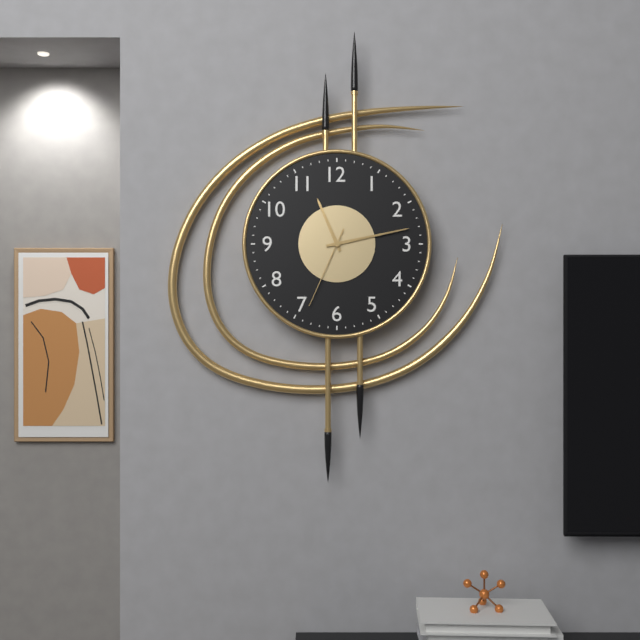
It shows 11,13,34
